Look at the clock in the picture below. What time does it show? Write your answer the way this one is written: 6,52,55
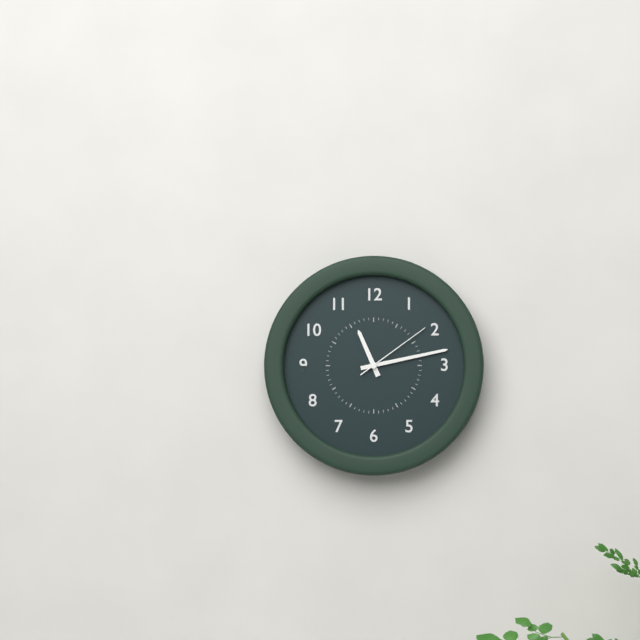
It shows 11,13,09
